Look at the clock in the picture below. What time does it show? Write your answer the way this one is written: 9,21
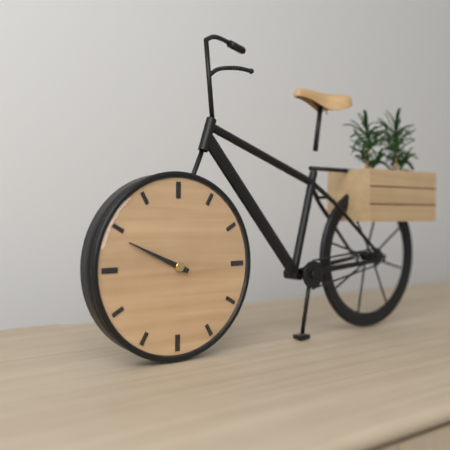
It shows 9,49
